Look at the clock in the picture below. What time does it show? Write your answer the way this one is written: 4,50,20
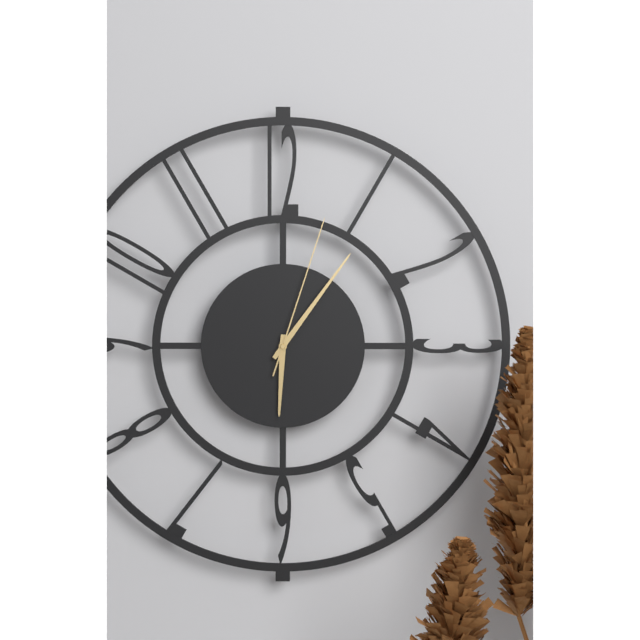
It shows 6,06,03
